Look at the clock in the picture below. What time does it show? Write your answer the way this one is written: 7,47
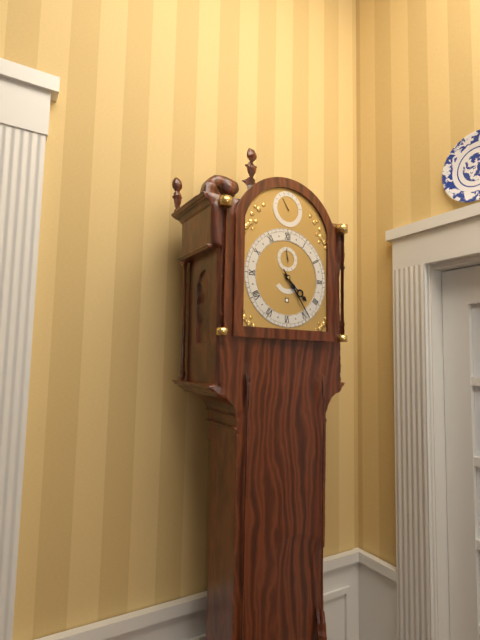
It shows 4,24
